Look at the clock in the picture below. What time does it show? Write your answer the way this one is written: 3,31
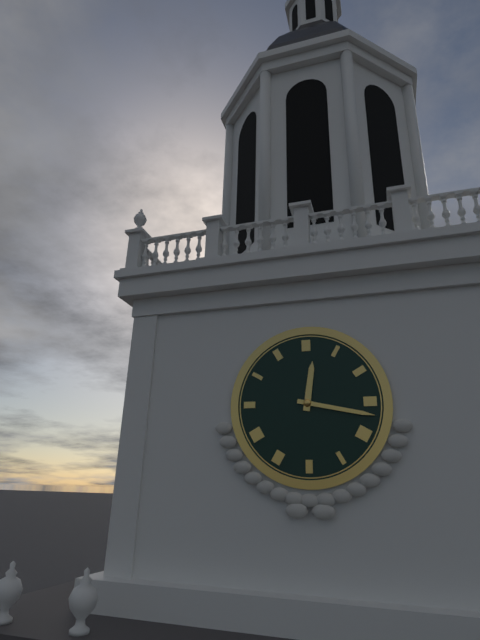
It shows 12,17
